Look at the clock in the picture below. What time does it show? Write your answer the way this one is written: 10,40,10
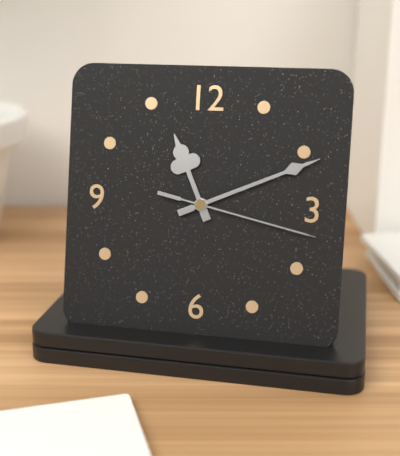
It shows 11,11,17
